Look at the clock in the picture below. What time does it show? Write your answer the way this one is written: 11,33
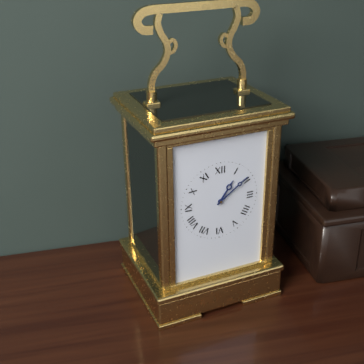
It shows 1,09
